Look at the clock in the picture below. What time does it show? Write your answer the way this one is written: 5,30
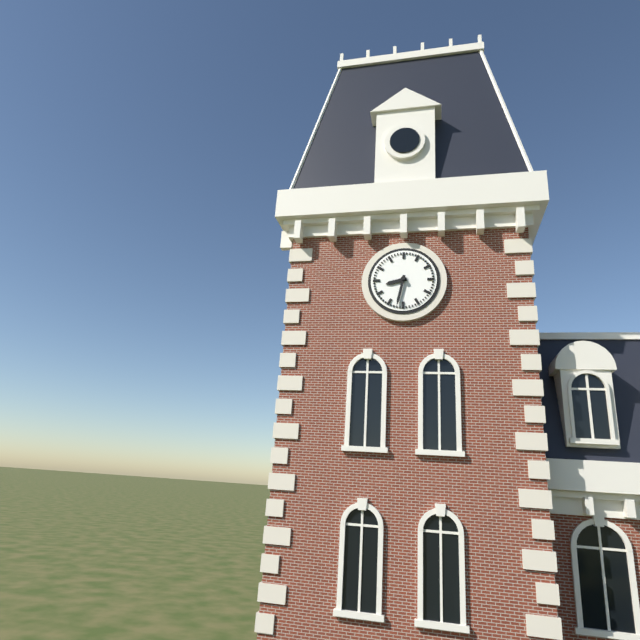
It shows 8,32
